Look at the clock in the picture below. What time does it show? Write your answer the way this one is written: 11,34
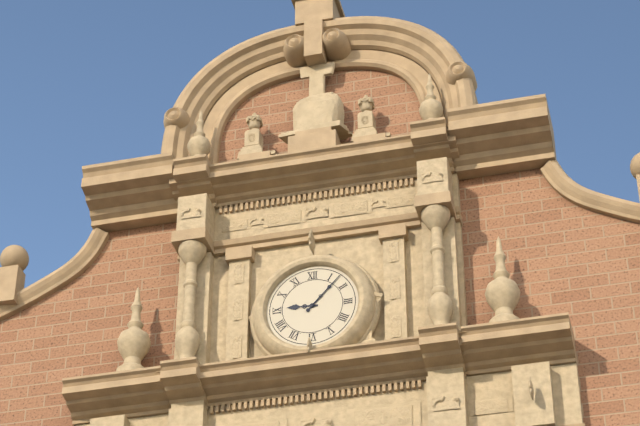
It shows 9,07
